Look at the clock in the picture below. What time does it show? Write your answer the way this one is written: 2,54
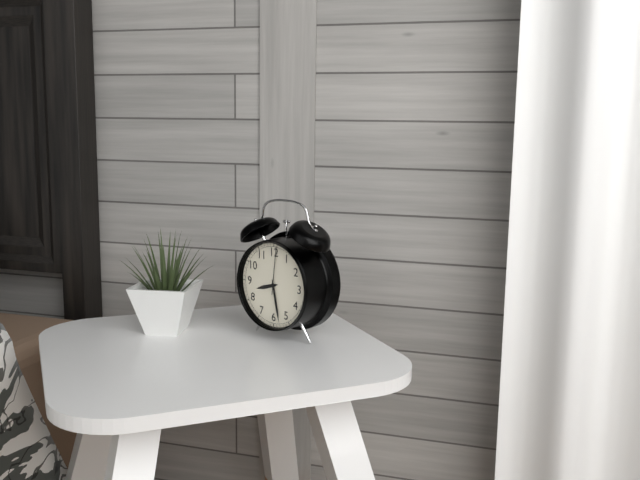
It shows 8,28
